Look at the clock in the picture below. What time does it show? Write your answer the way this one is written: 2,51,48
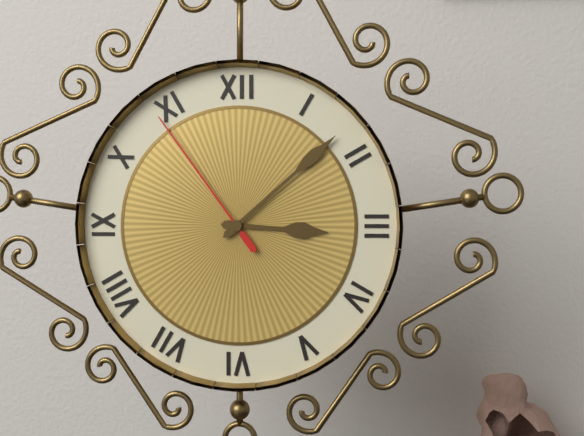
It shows 3,08,54
